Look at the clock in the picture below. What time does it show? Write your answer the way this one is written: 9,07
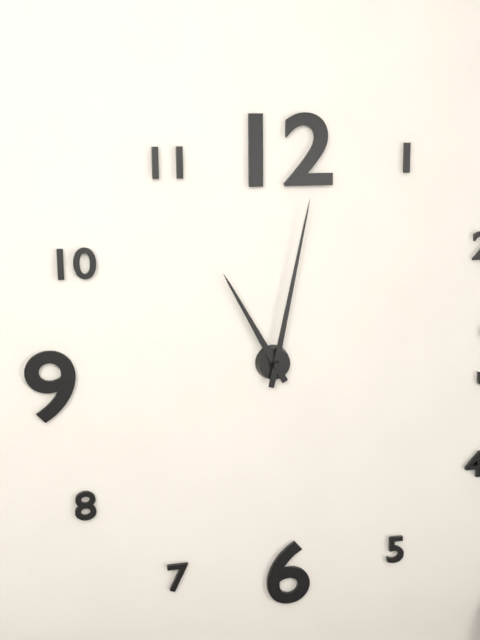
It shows 11,02
